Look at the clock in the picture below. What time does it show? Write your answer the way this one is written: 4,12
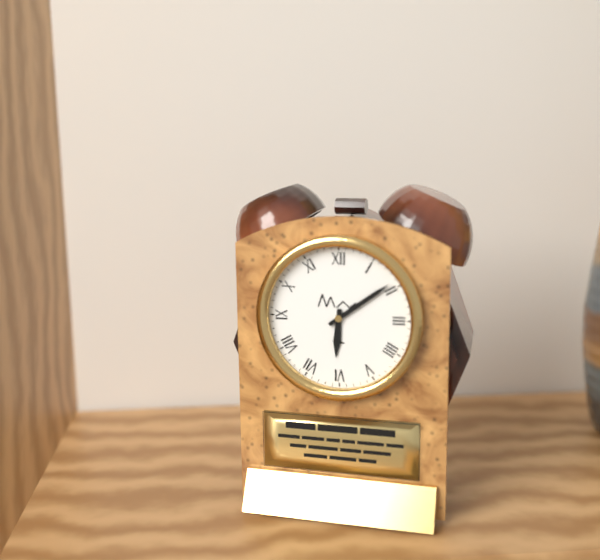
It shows 6,09
